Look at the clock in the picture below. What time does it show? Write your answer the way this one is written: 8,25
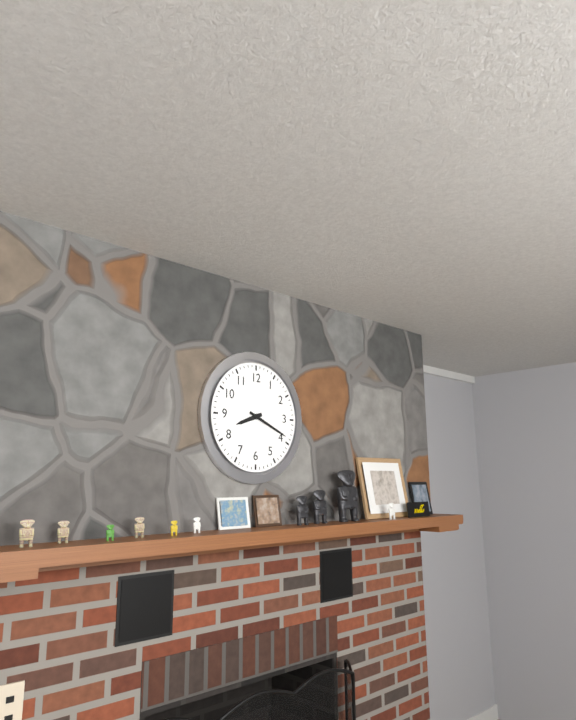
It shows 8,19
